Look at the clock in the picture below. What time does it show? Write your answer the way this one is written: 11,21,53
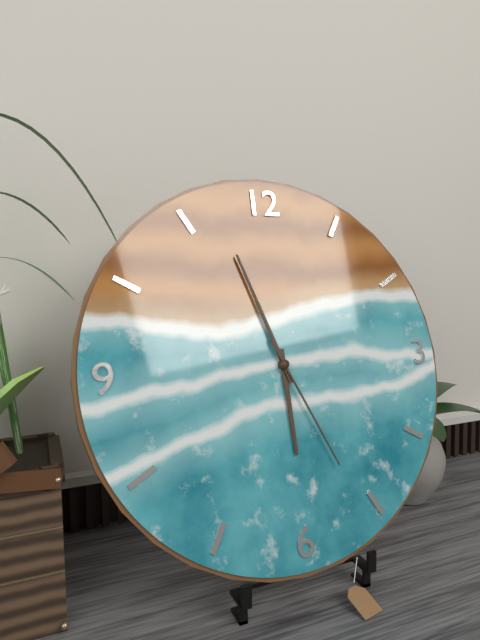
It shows 5,57,26
